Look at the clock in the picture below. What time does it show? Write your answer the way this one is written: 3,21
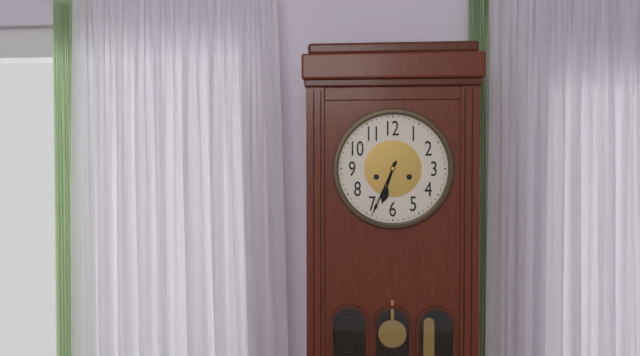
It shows 6,34
